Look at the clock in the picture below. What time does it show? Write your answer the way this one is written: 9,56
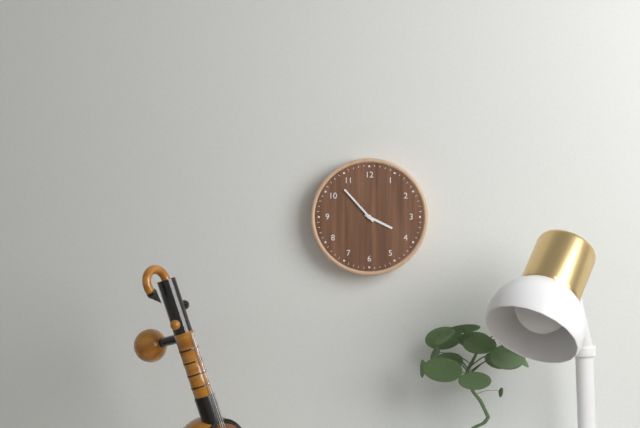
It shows 3,53
